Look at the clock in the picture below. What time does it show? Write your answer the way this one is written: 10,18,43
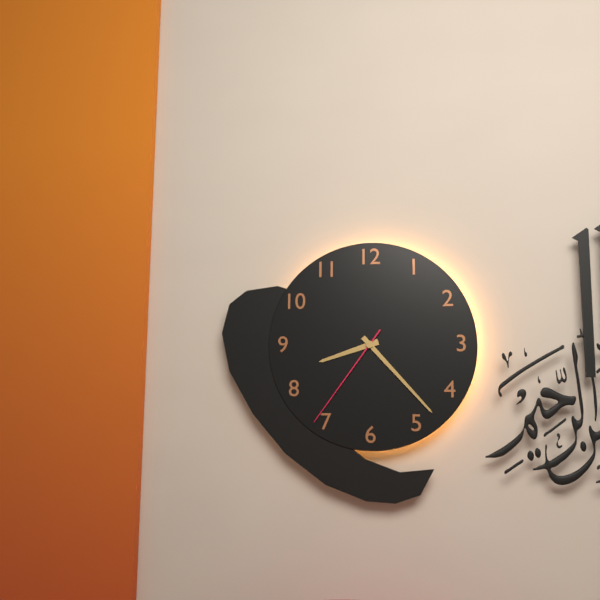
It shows 8,23,36
